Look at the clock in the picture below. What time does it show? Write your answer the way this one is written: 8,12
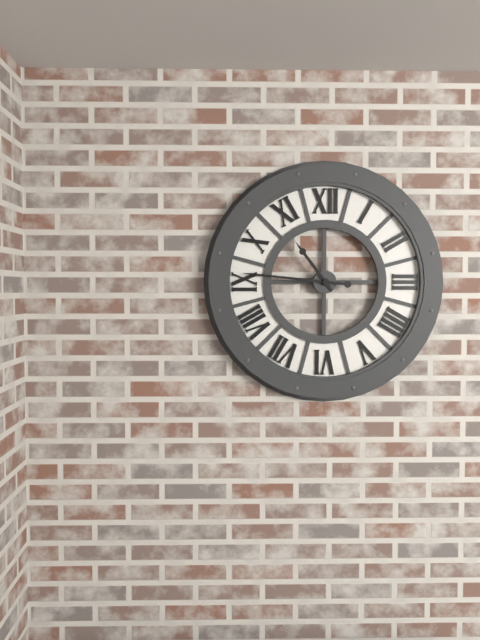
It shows 10,46
